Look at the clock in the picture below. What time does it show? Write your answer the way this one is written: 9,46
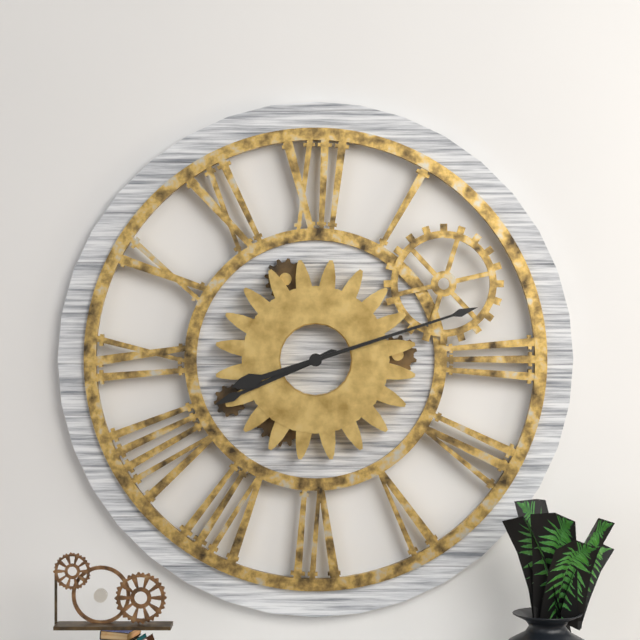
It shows 8,12
